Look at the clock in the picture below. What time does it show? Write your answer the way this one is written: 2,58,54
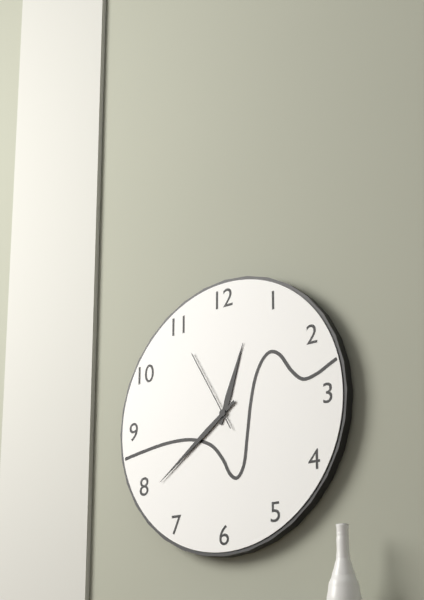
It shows 12,39,55
